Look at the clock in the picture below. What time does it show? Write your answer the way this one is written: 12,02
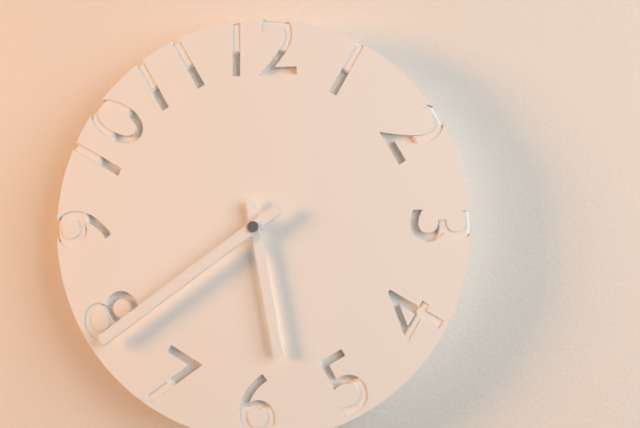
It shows 5,39
